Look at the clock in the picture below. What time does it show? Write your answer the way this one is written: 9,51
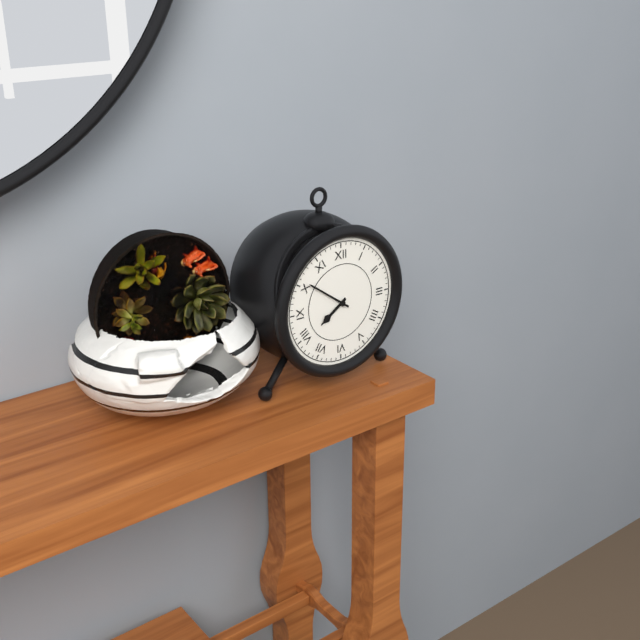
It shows 7,51
